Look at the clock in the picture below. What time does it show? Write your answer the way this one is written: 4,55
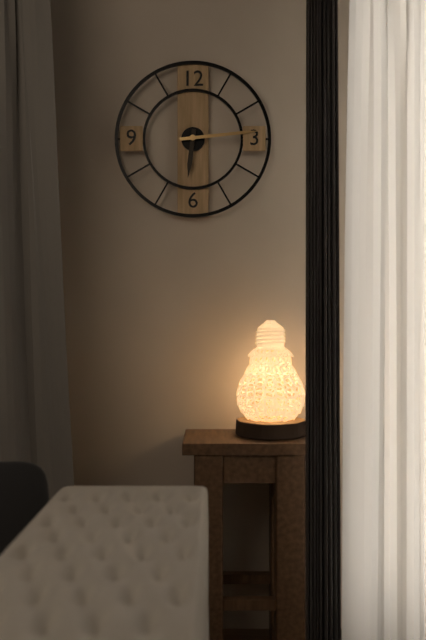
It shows 6,14
